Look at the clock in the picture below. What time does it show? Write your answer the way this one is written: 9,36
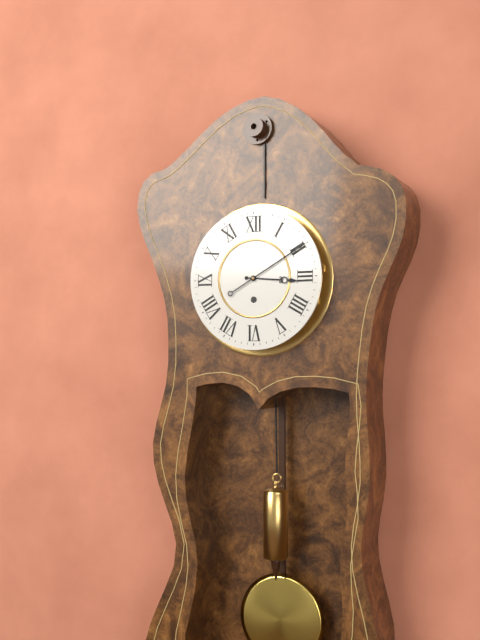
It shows 3,10
